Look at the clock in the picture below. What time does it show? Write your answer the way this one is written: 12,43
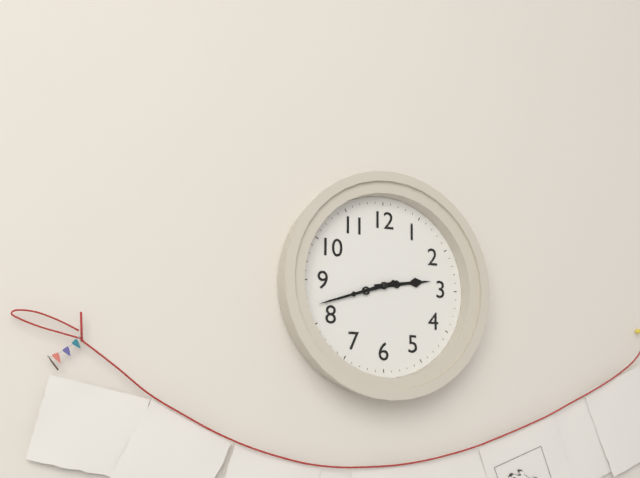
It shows 2,42
